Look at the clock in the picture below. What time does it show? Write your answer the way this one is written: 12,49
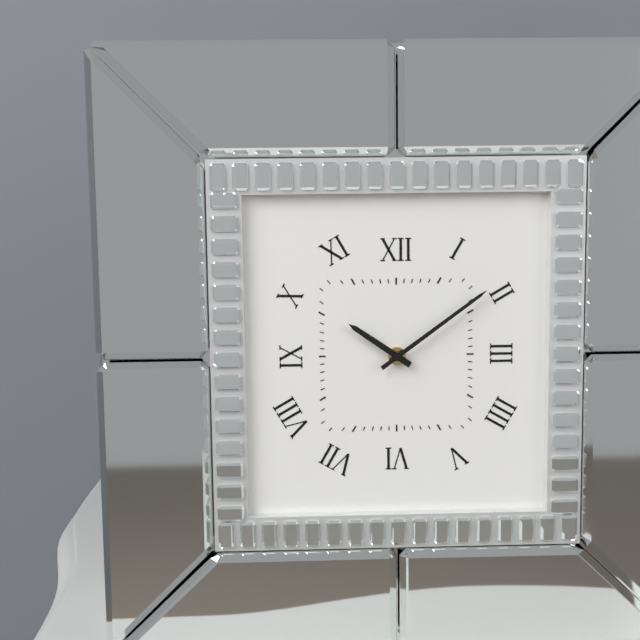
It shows 10,09
